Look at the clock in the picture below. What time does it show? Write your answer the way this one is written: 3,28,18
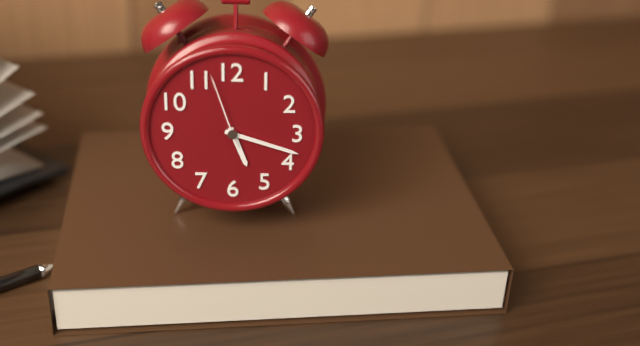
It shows 5,18,57
